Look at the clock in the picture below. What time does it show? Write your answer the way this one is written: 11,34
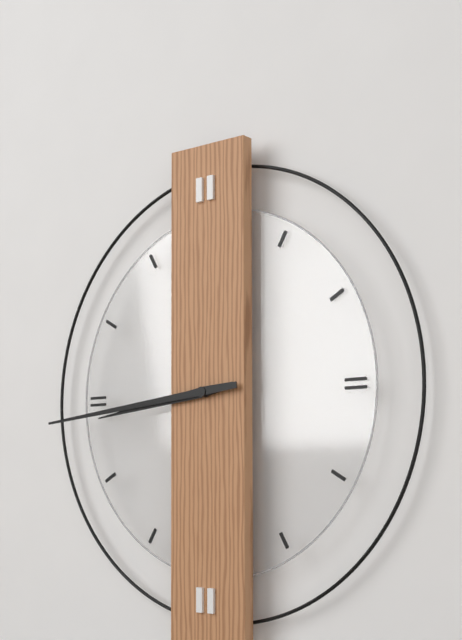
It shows 8,44
